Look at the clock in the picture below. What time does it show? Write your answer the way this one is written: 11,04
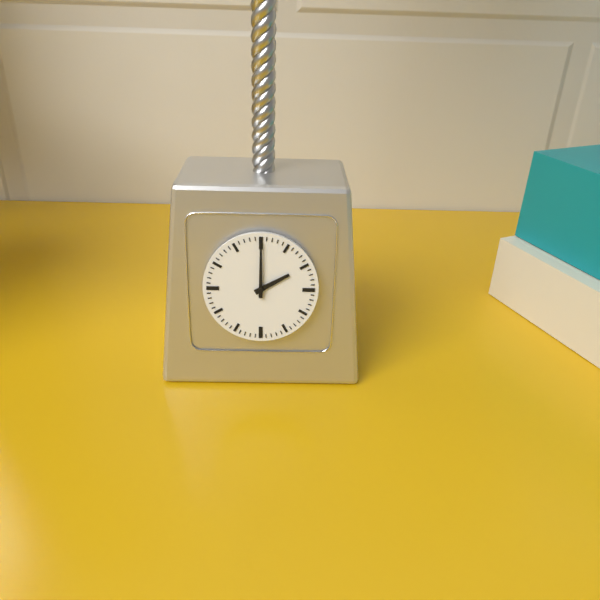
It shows 2,00
